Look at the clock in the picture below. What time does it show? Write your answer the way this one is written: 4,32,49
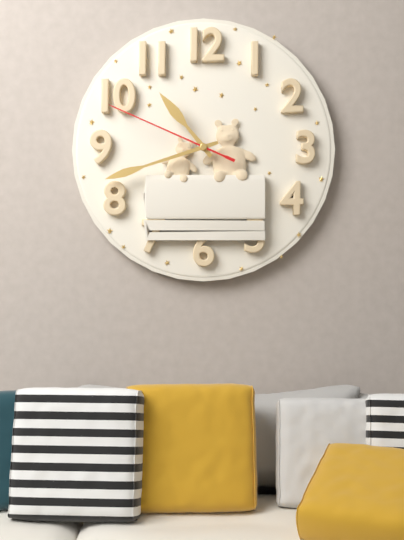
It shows 10,42,49
